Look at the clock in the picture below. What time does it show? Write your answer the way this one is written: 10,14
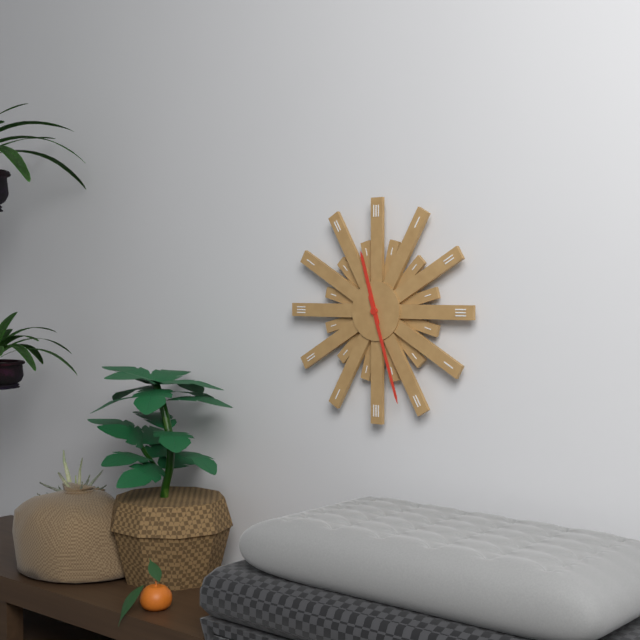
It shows 11,27
